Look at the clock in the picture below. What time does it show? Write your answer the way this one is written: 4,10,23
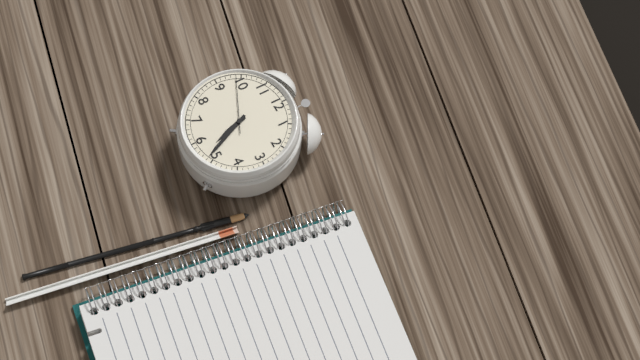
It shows 5,26,49
